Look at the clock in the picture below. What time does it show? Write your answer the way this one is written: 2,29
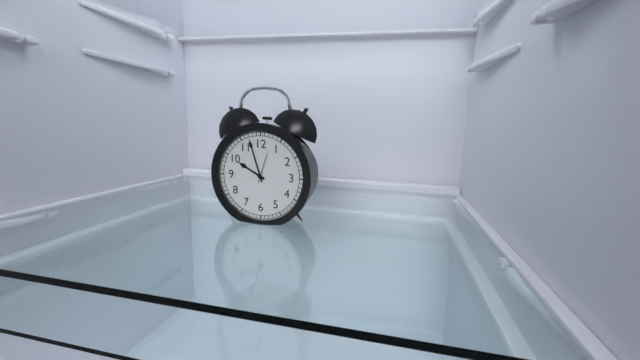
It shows 9,57
